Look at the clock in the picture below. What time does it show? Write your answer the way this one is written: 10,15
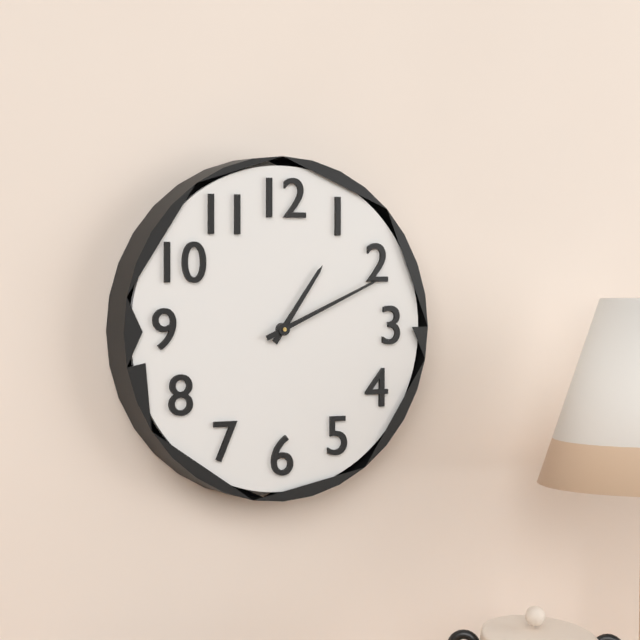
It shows 1,11
